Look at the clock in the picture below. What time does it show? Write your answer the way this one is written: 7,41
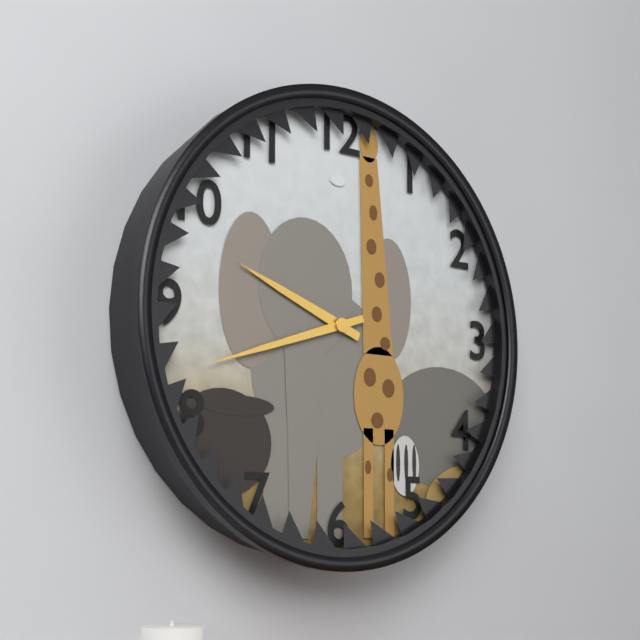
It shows 9,42
